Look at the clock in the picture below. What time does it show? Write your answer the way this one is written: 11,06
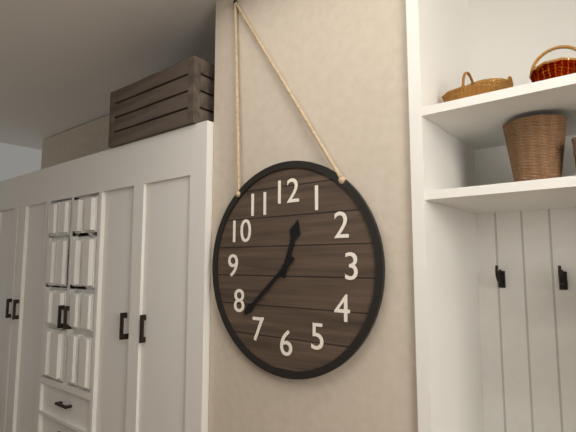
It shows 12,38
